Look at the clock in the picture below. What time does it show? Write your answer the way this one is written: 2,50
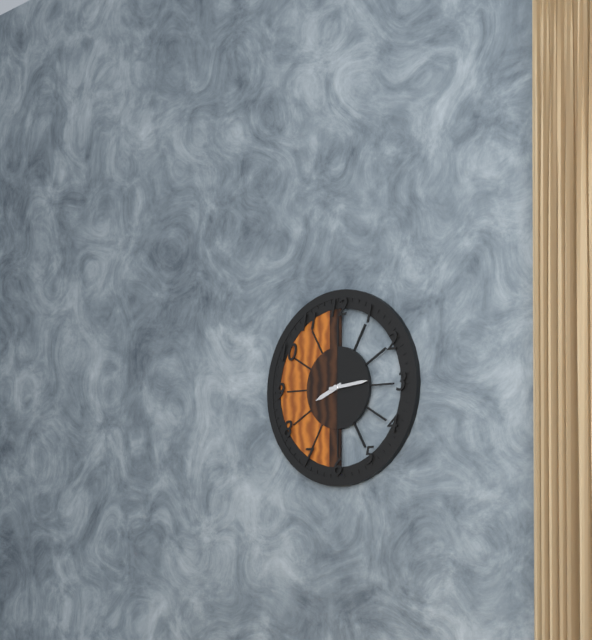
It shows 8,14
